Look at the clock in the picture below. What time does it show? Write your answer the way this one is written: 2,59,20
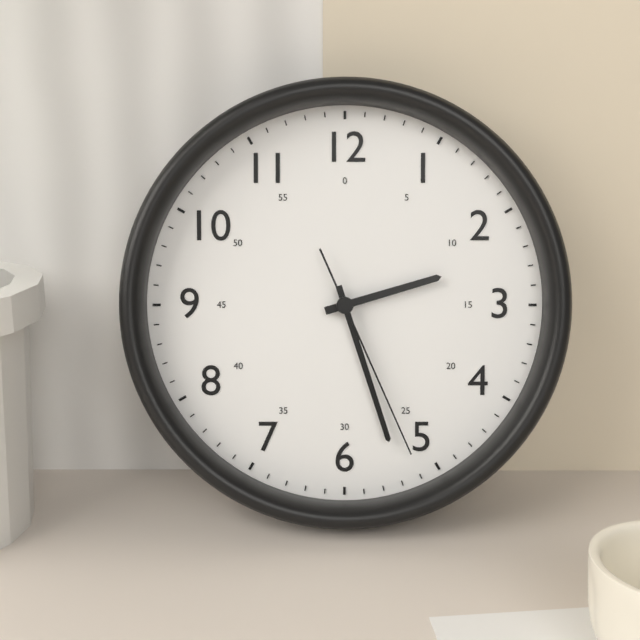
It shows 2,27,26
